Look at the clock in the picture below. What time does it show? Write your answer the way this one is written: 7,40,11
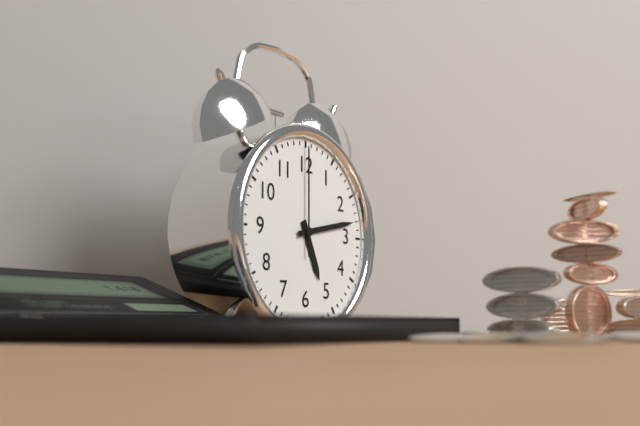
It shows 5,13,00
